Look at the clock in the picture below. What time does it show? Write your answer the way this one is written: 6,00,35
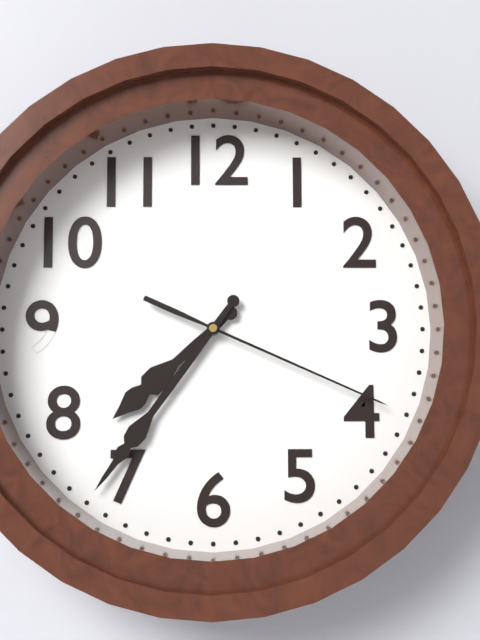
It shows 7,36,19
